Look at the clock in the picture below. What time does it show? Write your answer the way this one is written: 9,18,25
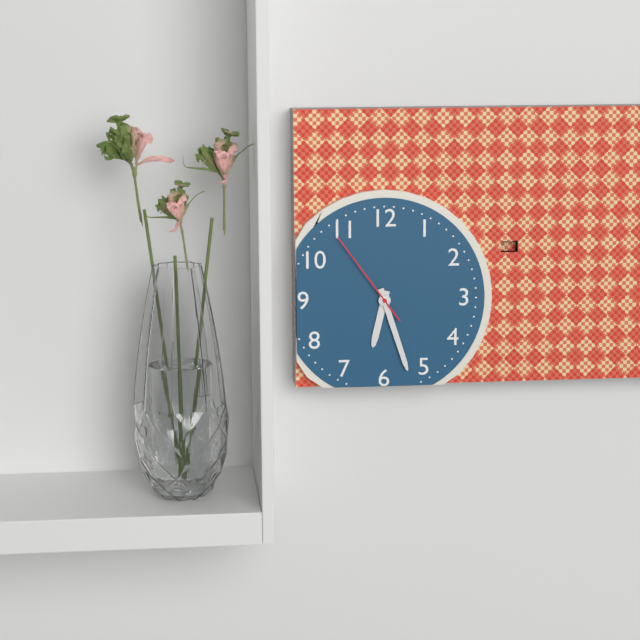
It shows 6,27,54
